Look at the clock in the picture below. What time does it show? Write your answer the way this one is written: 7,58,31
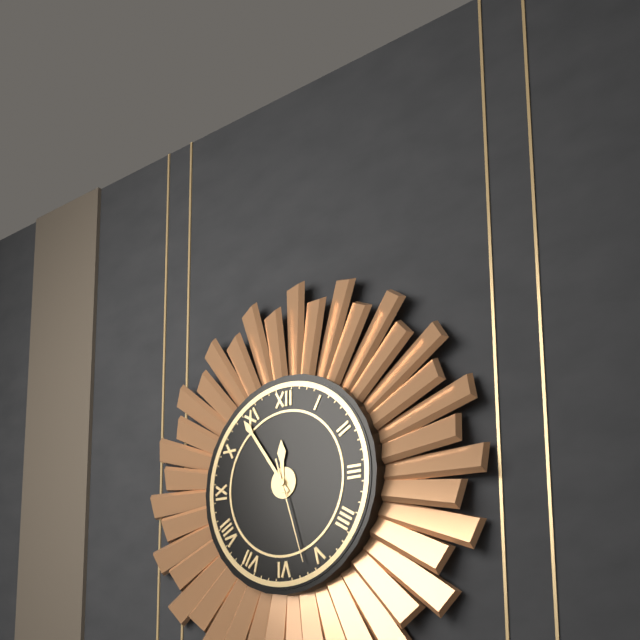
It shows 11,54,27
